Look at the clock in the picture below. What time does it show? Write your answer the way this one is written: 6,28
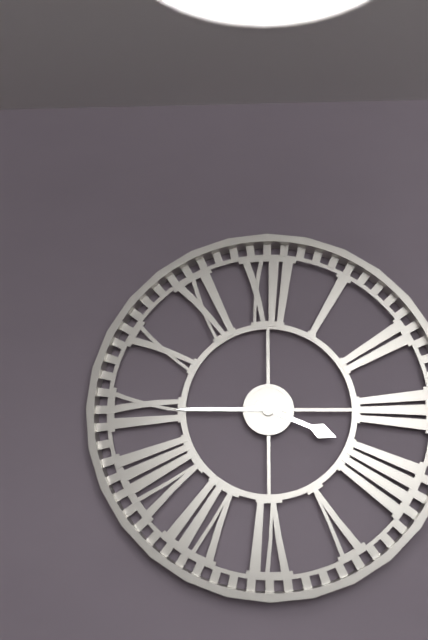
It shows 3,45
